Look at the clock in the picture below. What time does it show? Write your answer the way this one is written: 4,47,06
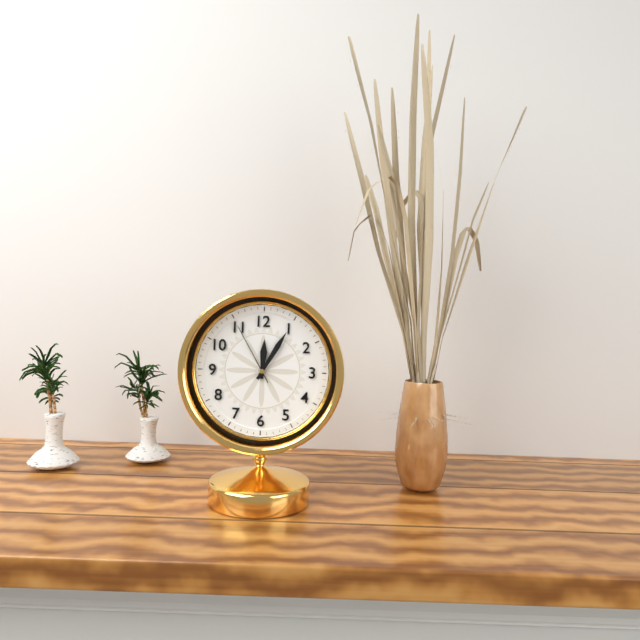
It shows 12,05,55
